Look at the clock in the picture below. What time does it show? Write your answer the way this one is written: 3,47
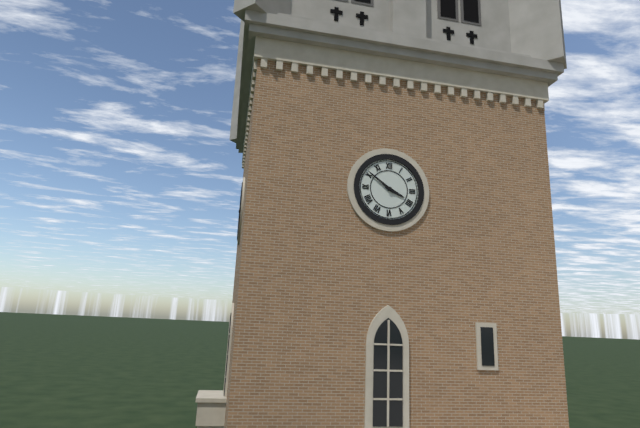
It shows 3,51
